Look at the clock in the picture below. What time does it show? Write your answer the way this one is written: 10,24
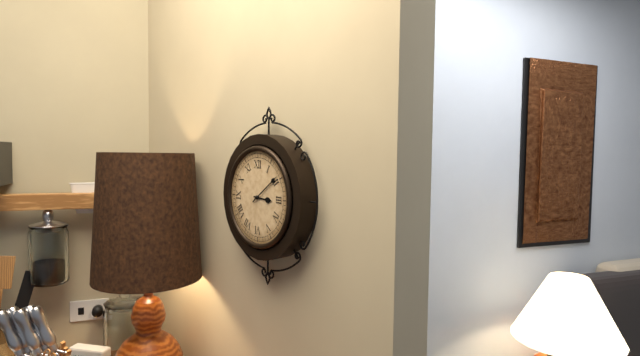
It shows 3,09
